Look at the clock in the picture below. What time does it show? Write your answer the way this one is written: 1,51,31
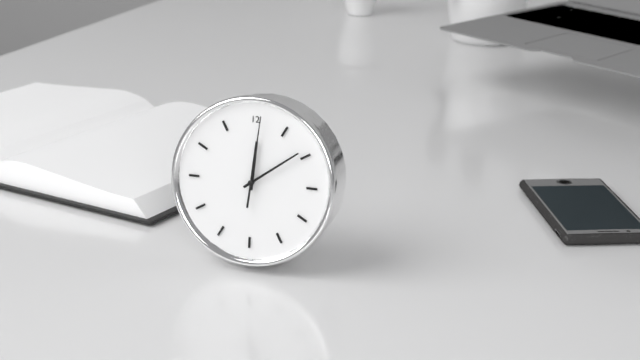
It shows 12,09,01
